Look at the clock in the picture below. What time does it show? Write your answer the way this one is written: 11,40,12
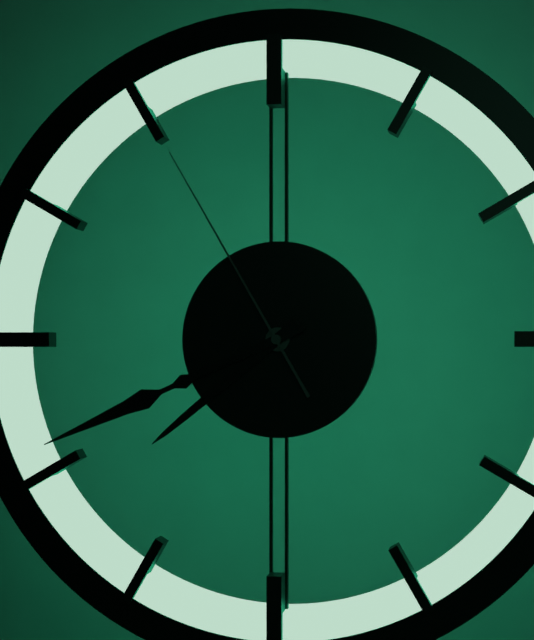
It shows 7,41,55
